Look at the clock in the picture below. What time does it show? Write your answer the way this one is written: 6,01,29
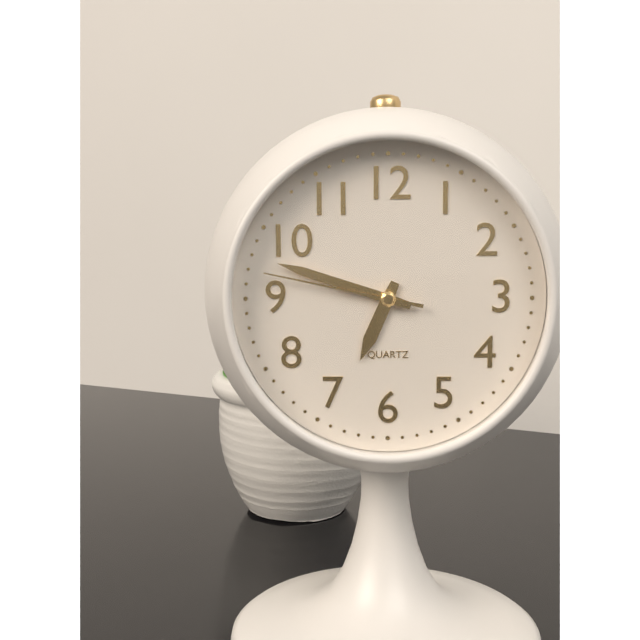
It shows 6,48,47
